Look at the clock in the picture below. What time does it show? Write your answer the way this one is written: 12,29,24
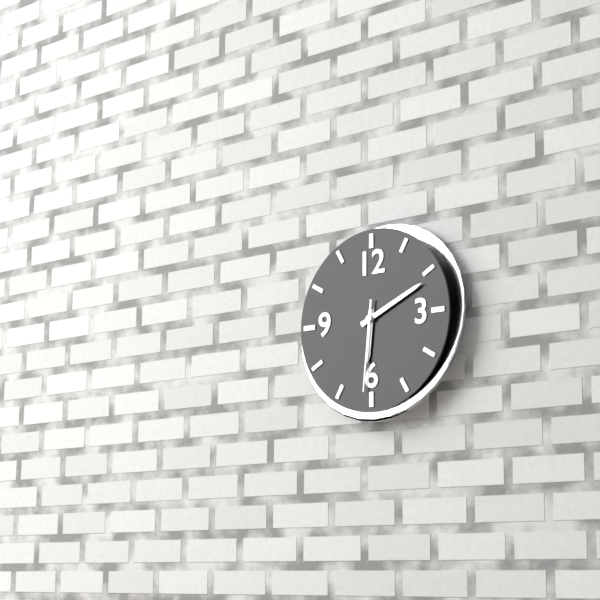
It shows 6,11,31
